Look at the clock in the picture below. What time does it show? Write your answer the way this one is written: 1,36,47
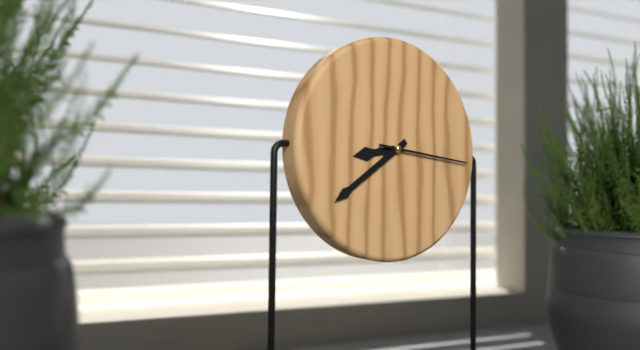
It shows 8,39,16
